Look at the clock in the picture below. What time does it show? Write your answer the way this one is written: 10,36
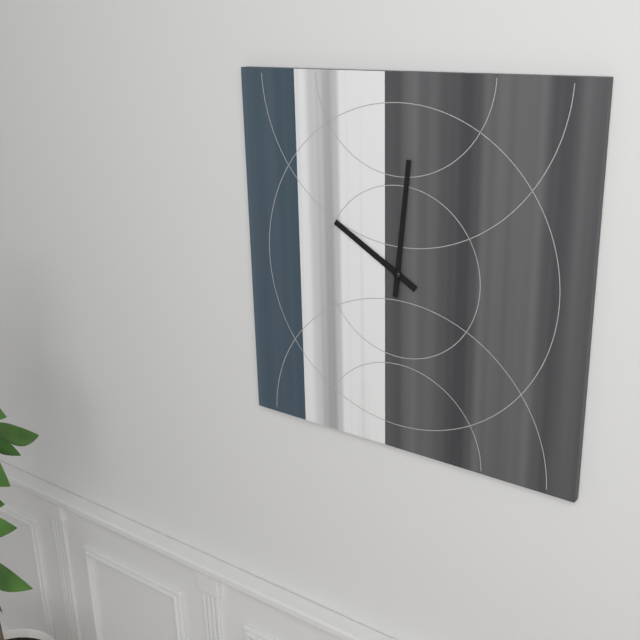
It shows 10,01
